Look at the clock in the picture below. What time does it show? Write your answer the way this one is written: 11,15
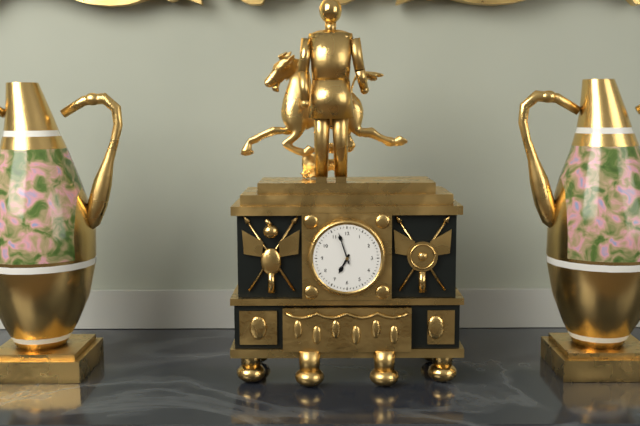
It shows 6,57
